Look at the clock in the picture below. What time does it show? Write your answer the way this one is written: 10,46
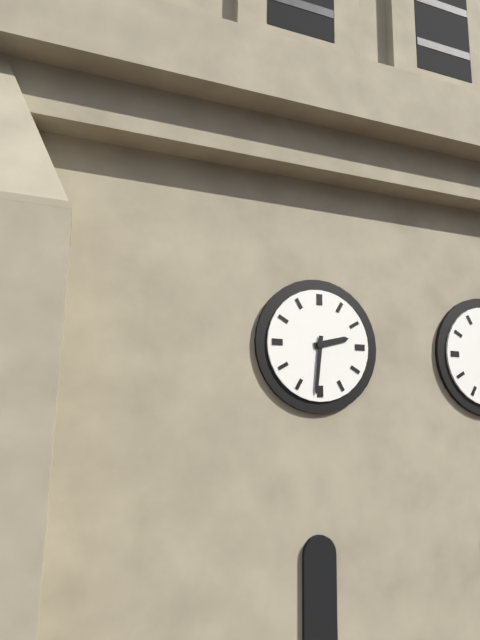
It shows 2,31
